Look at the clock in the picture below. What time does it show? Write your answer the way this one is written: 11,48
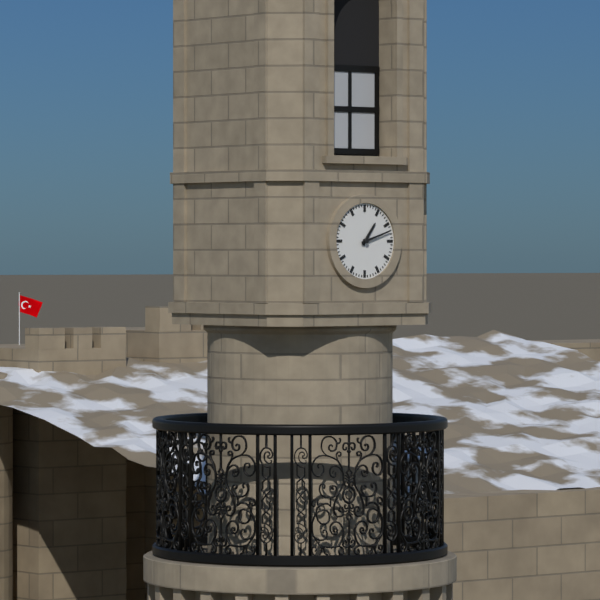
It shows 1,12
